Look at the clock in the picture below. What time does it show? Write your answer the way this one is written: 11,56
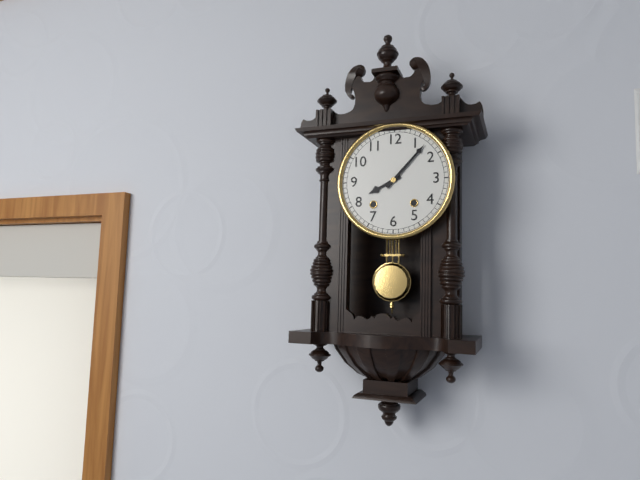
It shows 8,07
